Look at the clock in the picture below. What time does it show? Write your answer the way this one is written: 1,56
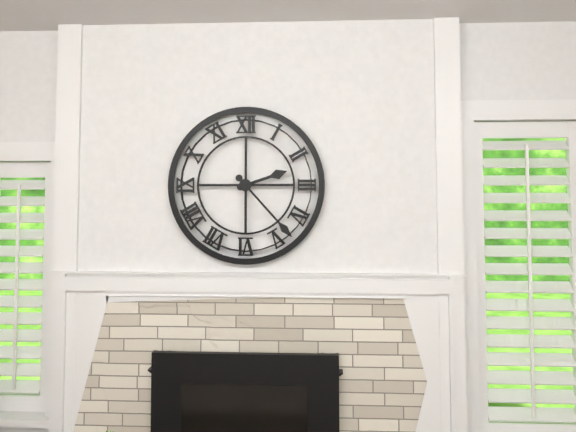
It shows 2,23
